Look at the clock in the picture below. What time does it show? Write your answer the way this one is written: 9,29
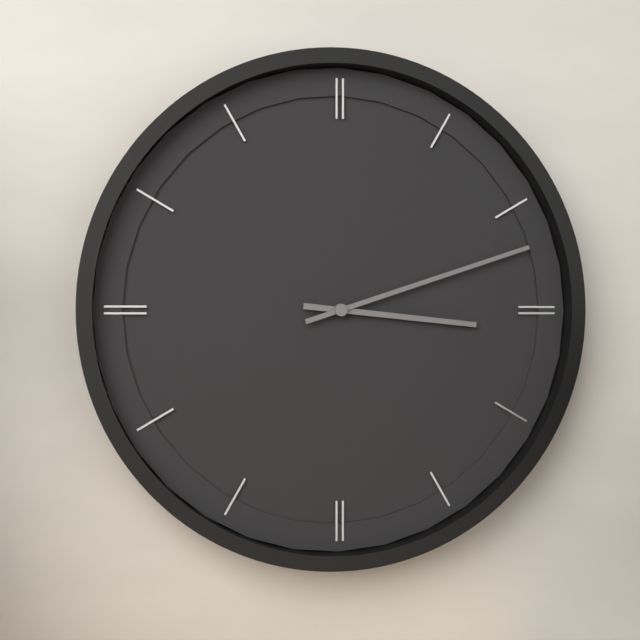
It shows 3,12
